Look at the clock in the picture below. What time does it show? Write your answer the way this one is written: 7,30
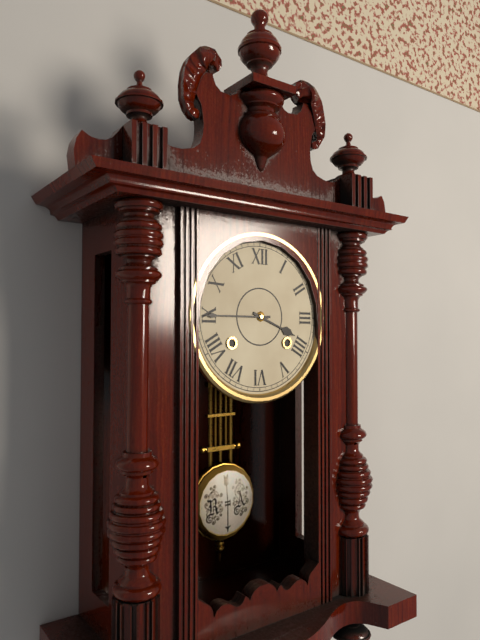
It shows 3,45
